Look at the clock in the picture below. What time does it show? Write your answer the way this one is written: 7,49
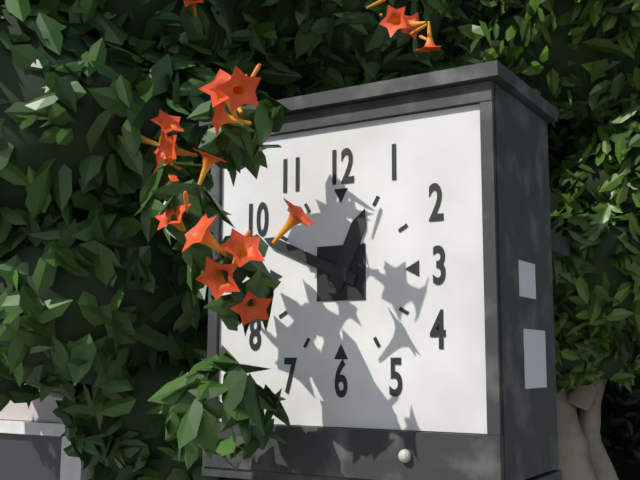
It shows 12,49
